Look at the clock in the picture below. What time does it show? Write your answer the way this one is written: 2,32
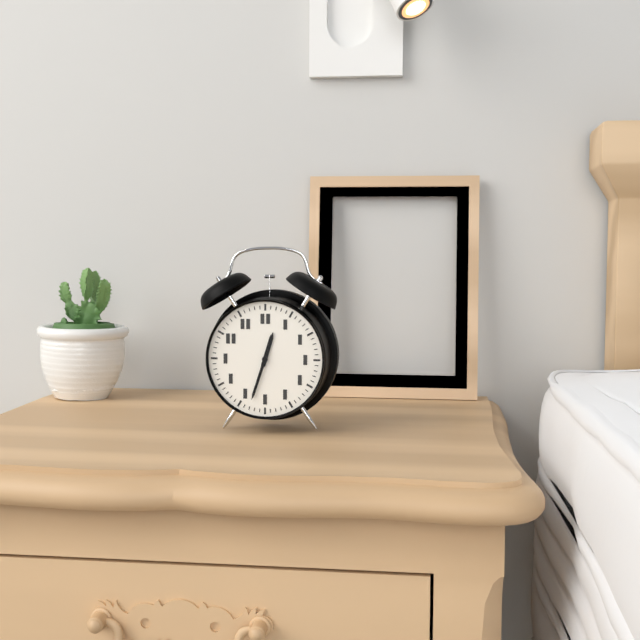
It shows 12,33
